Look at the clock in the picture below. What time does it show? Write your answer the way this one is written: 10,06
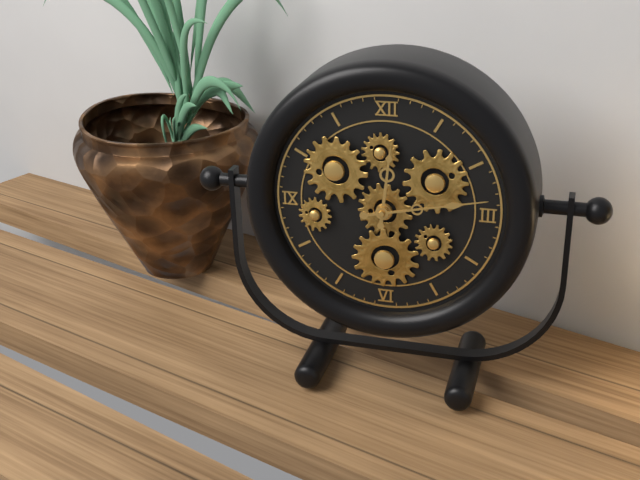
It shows 12,13
